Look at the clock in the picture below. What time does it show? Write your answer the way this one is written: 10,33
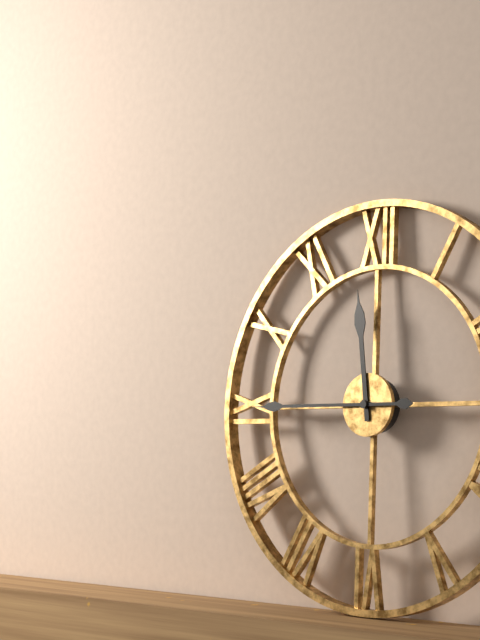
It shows 11,45
